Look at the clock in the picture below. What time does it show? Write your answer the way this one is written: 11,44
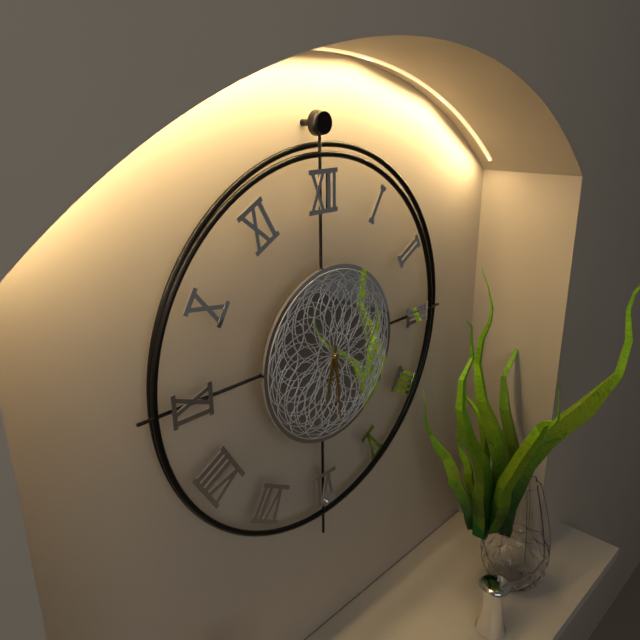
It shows 6,29
